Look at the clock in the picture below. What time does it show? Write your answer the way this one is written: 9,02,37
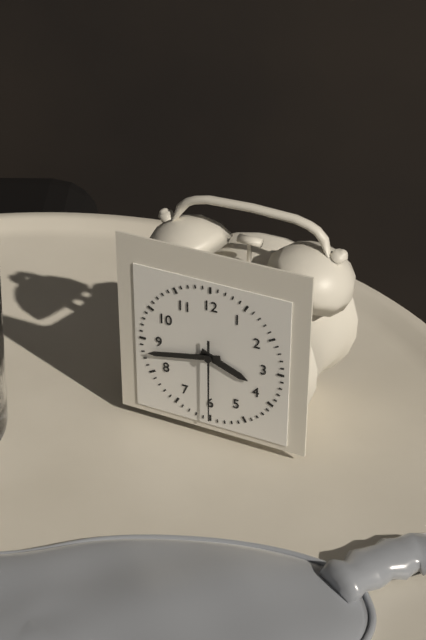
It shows 3,43,30
